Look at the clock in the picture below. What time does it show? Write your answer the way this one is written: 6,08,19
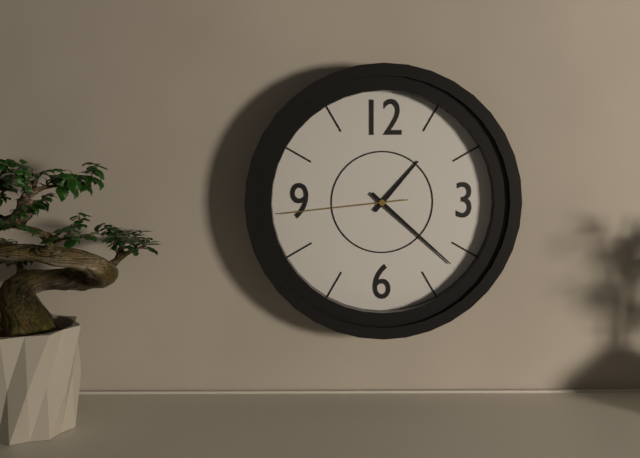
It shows 1,22,44
